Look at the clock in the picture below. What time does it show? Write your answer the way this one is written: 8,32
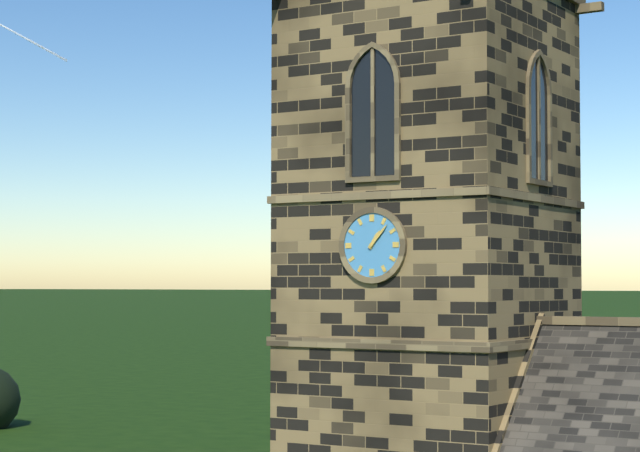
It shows 1,07
